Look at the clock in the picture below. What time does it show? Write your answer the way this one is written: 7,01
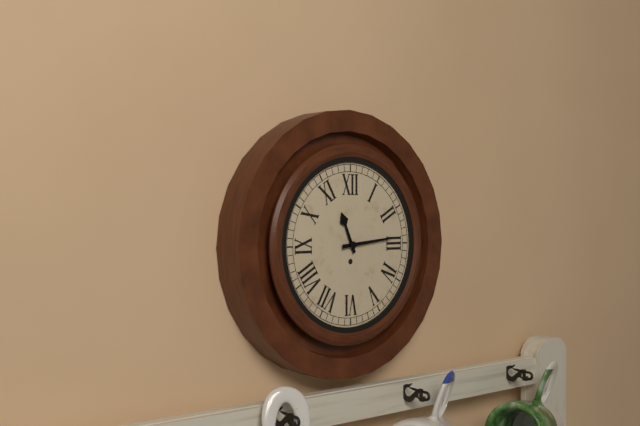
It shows 11,14
